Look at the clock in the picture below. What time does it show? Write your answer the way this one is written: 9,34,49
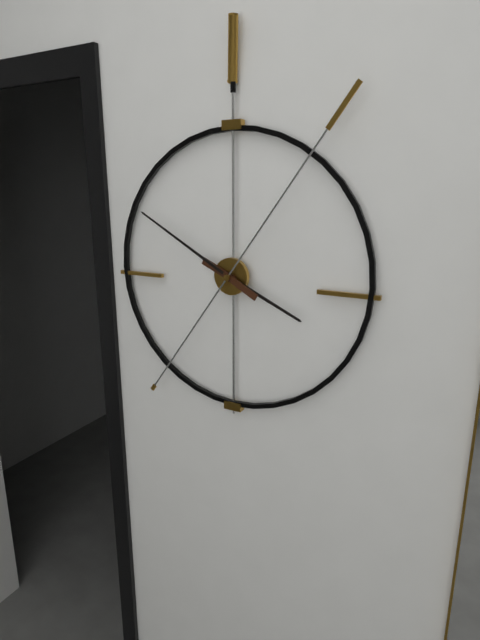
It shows 3,50,06
